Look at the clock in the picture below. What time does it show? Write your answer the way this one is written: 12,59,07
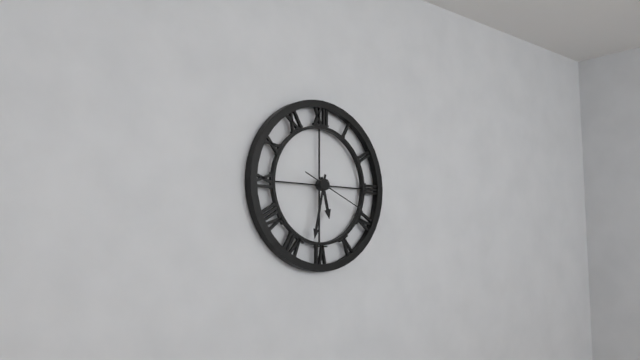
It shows 5,32,19
